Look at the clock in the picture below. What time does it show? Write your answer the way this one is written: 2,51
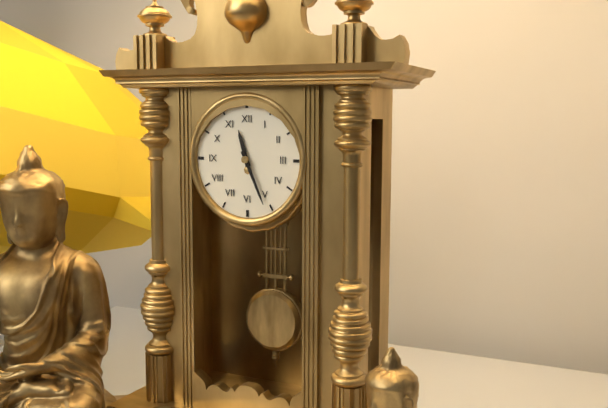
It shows 11,26
